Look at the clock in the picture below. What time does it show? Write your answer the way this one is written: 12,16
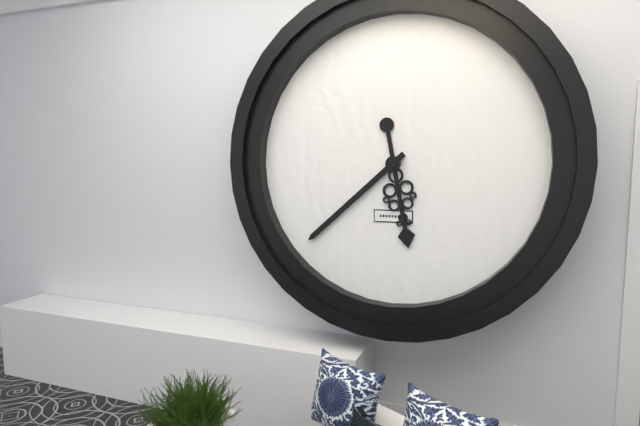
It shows 5,38
